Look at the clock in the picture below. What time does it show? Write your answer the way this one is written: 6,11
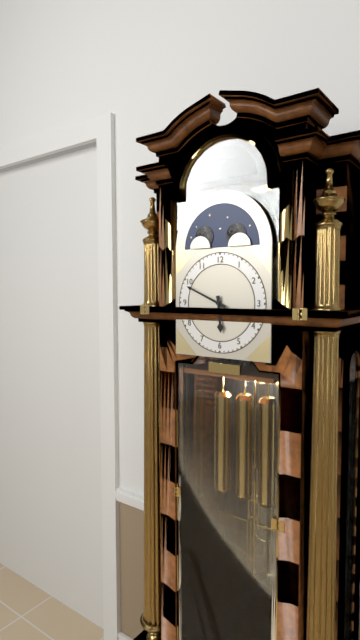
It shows 5,49
